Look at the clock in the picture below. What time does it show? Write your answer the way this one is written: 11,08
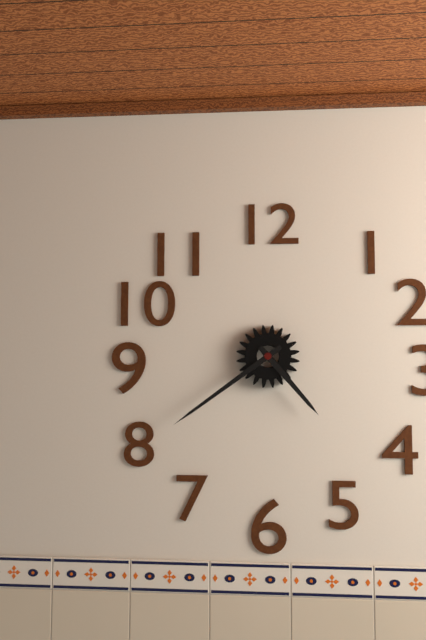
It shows 4,39
